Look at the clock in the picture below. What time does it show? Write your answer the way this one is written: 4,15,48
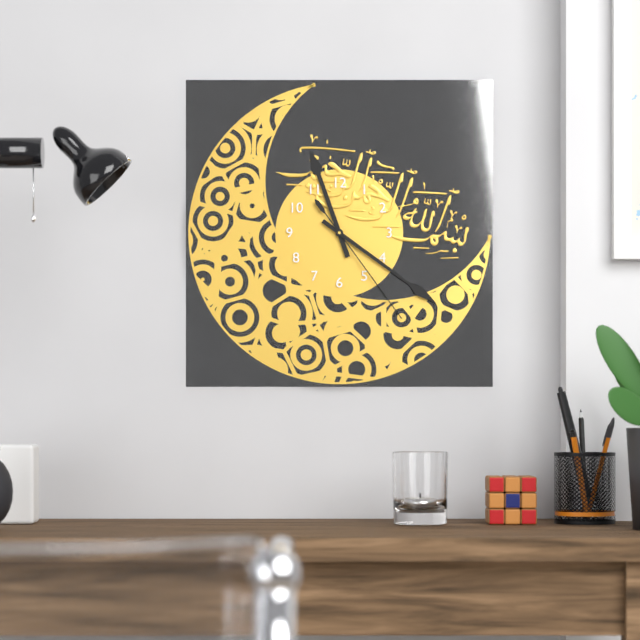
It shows 11,21,24
